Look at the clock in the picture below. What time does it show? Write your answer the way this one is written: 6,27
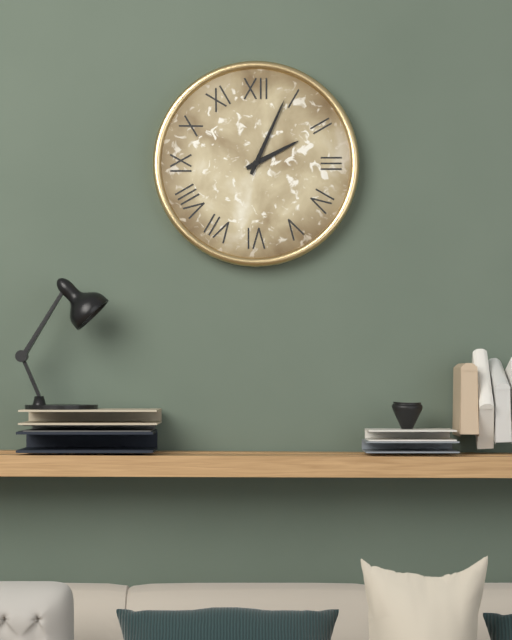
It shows 2,04
